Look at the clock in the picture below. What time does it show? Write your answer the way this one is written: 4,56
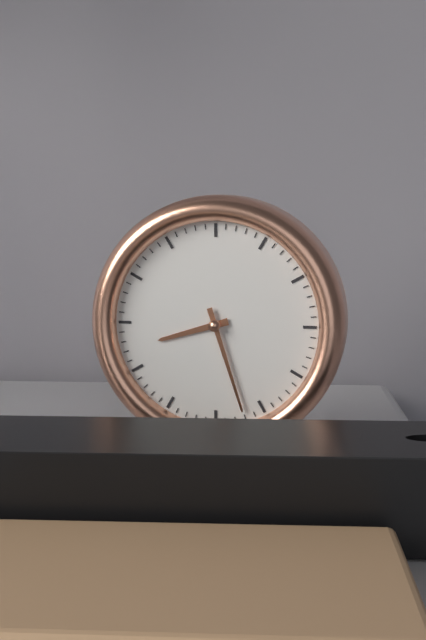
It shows 8,27
